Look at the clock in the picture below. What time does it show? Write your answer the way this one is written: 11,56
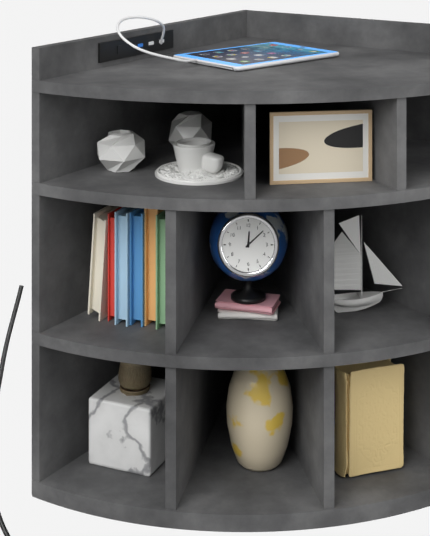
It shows 12,08
